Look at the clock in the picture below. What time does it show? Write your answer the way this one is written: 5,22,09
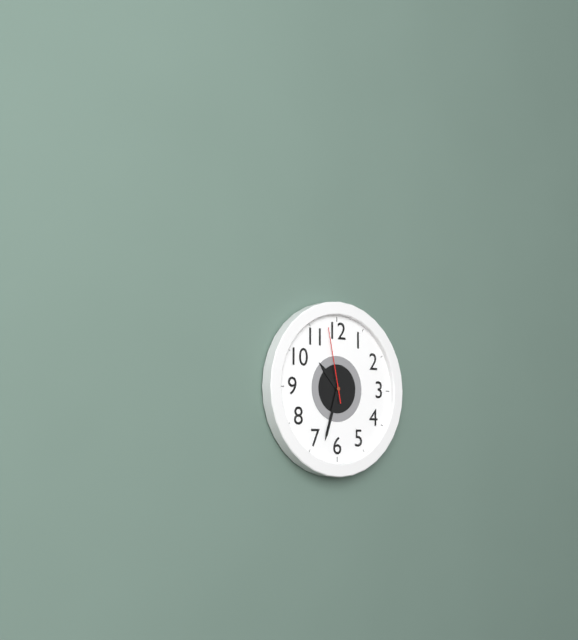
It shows 10,33,58
